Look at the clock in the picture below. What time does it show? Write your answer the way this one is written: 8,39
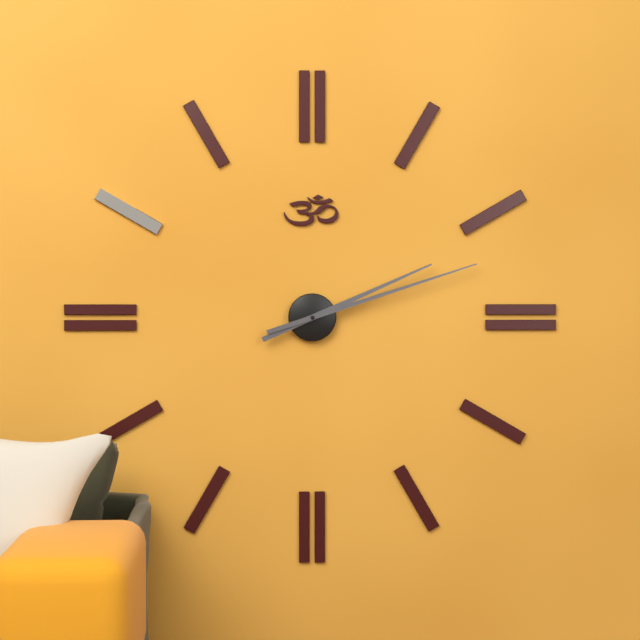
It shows 2,12
